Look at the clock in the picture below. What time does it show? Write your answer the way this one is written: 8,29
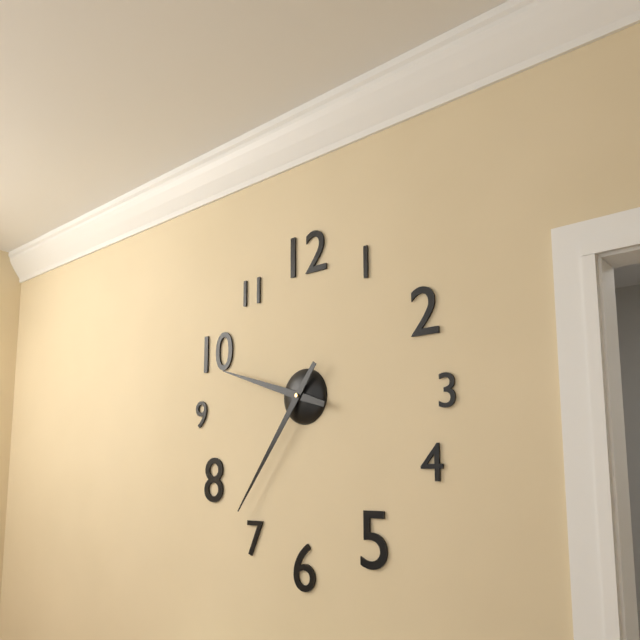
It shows 9,36
